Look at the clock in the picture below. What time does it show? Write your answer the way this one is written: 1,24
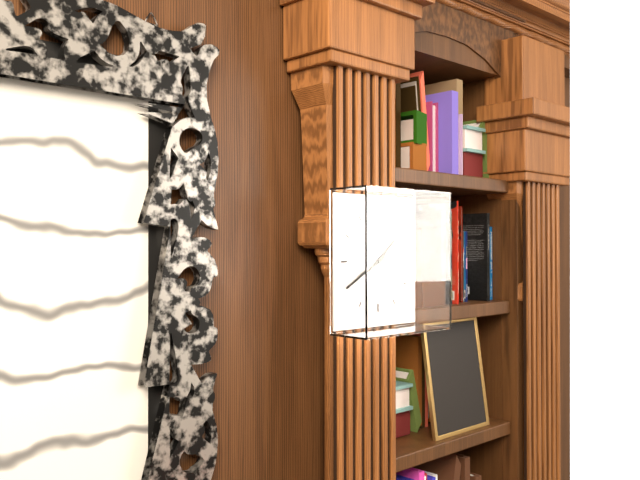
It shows 1,40
